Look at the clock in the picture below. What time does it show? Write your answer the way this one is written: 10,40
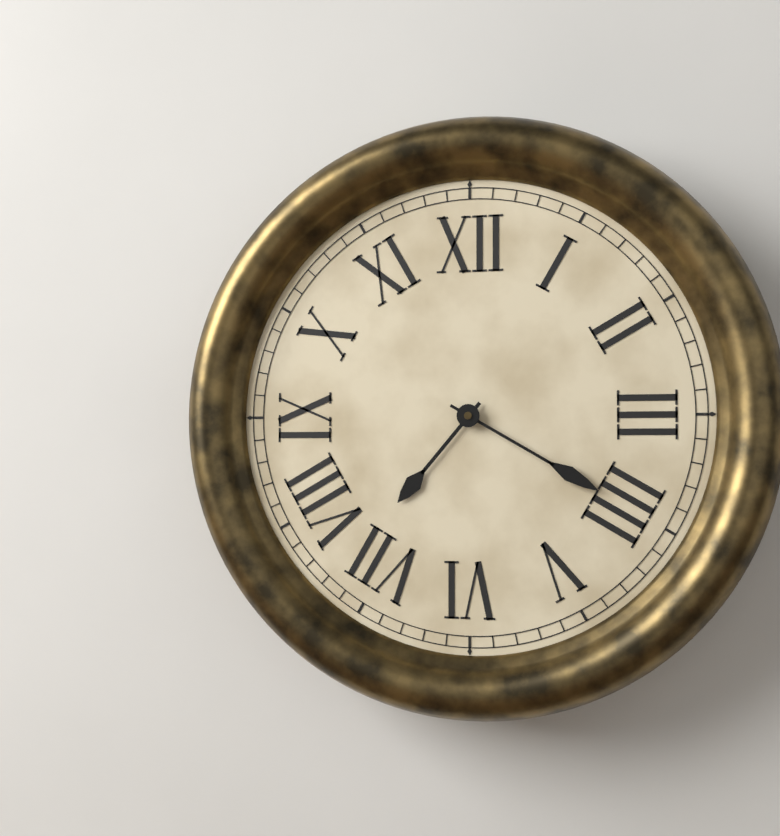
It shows 7,20
